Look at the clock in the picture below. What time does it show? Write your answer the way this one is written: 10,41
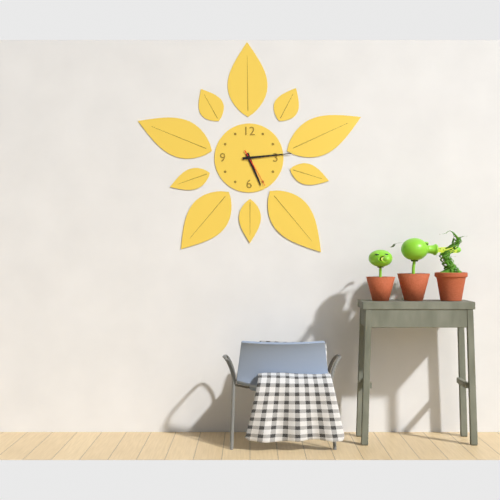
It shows 5,14
